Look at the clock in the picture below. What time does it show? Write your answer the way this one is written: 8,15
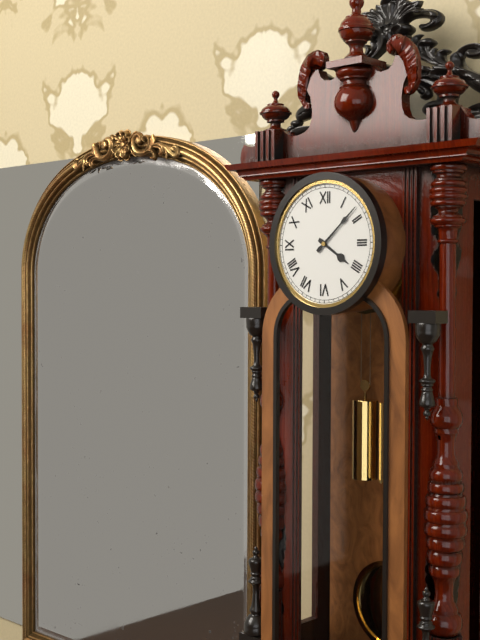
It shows 4,08
